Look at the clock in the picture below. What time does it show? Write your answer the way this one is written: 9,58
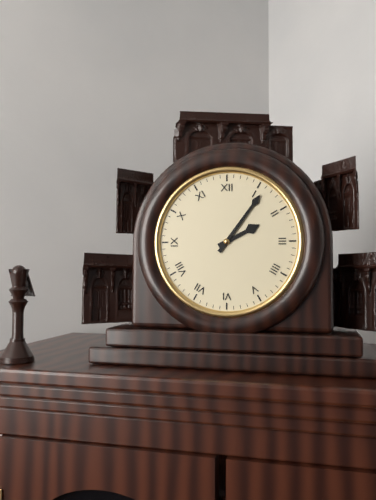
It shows 2,06
